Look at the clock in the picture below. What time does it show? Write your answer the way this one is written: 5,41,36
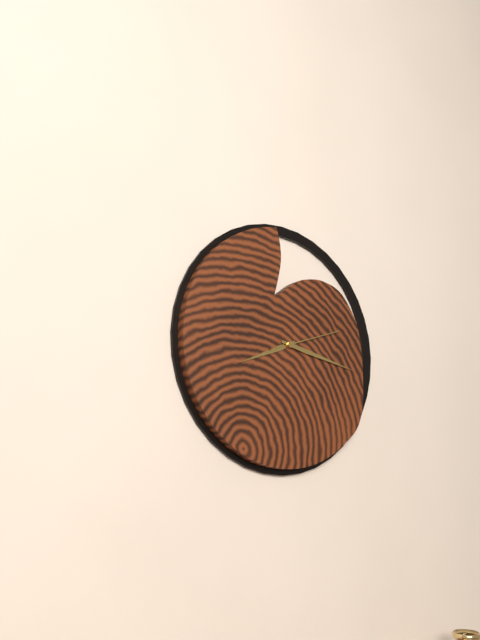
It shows 8,17,12
